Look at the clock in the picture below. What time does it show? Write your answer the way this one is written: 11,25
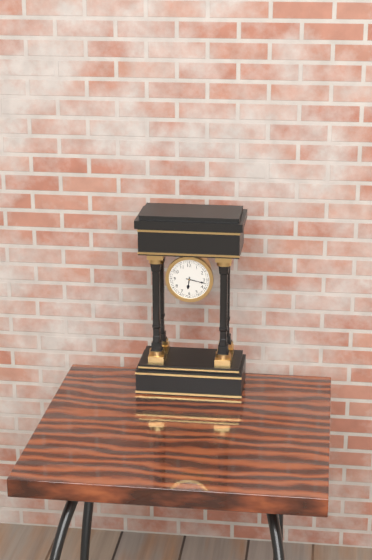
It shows 6,17
